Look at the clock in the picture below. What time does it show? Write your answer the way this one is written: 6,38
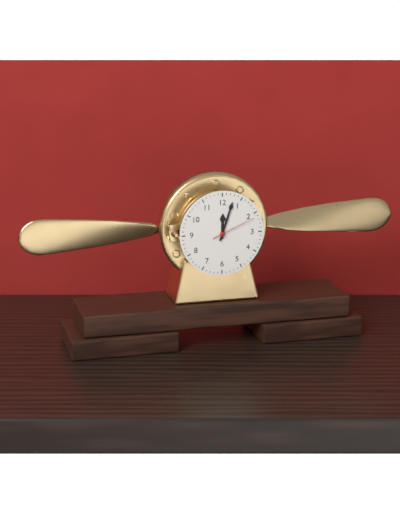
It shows 12,03
